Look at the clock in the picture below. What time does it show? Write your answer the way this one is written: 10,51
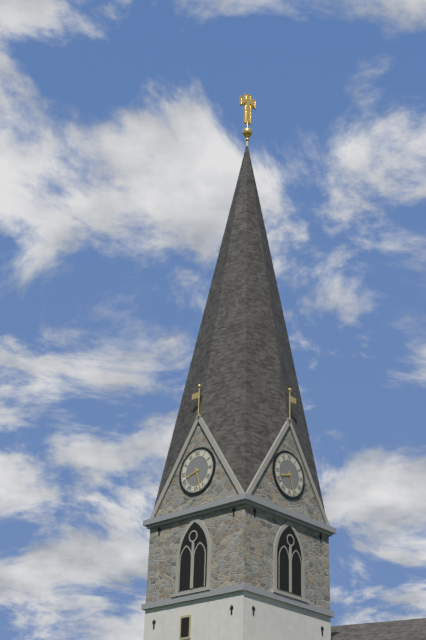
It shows 8,27
